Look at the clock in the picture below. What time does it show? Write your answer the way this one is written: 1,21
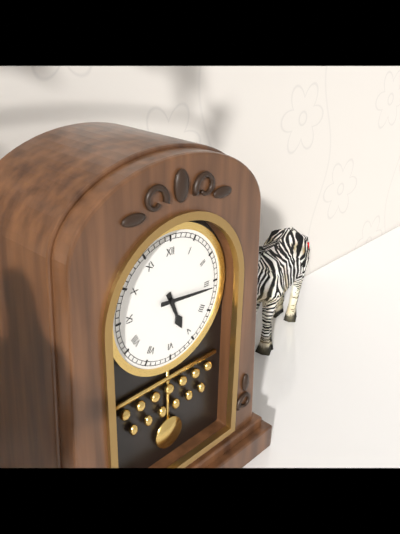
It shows 5,16
